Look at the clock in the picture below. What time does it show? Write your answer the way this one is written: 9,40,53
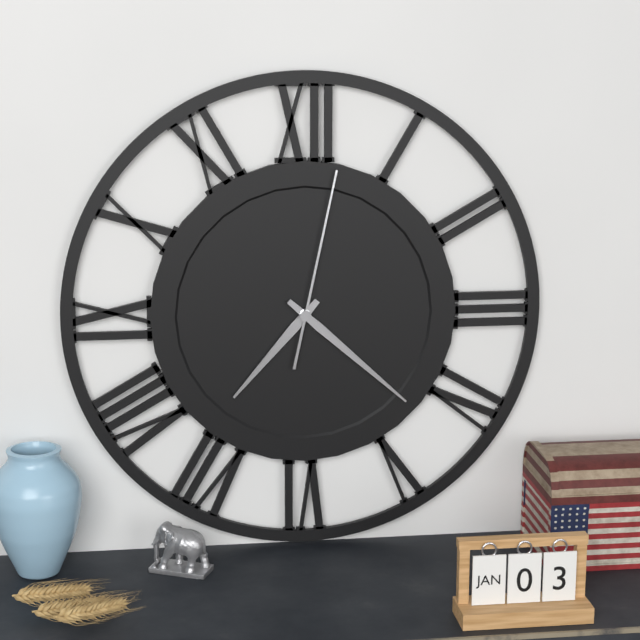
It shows 7,22,02
